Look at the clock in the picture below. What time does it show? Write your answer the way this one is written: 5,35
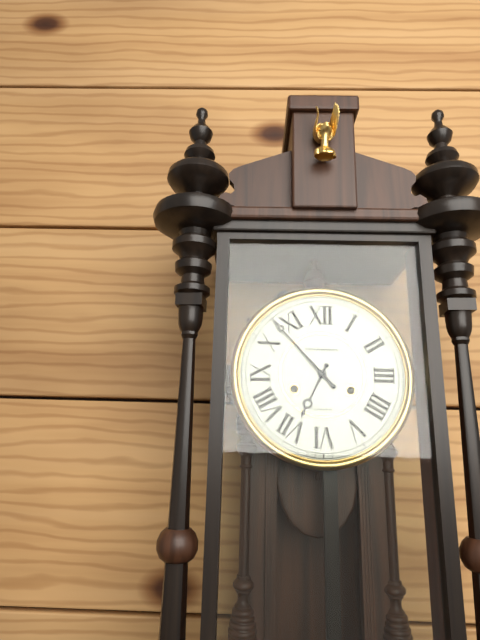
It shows 6,53
